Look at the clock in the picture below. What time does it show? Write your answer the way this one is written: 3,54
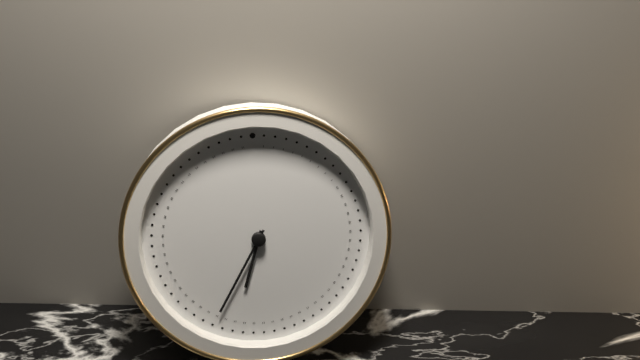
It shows 6,35
